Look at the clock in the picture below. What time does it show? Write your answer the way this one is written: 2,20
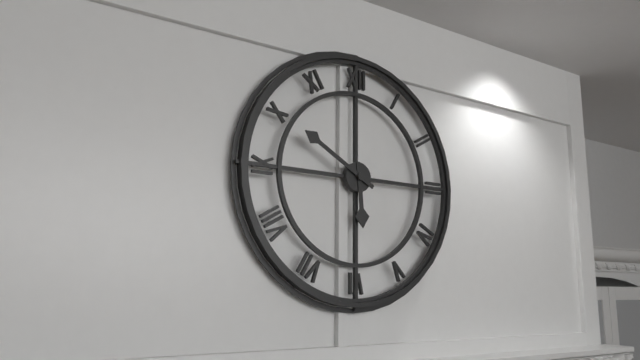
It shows 5,50
